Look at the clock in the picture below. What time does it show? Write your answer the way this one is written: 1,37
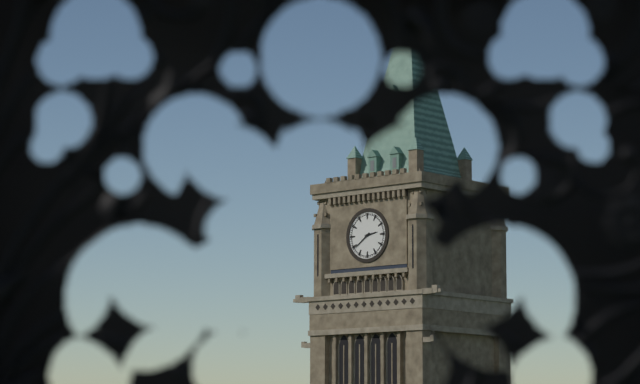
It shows 2,39
